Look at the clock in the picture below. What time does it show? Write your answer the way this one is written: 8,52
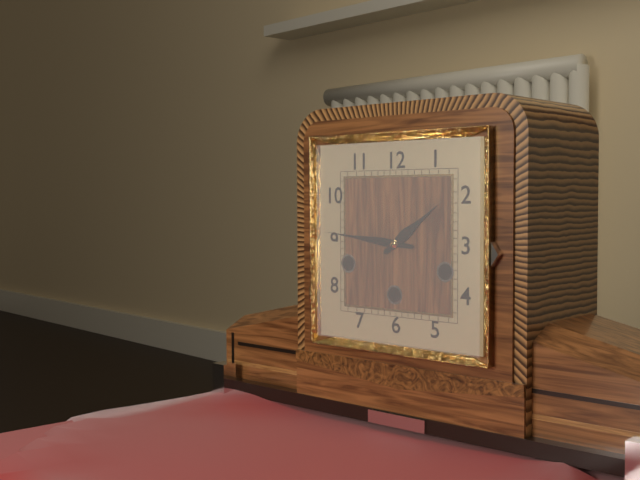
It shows 1,46
